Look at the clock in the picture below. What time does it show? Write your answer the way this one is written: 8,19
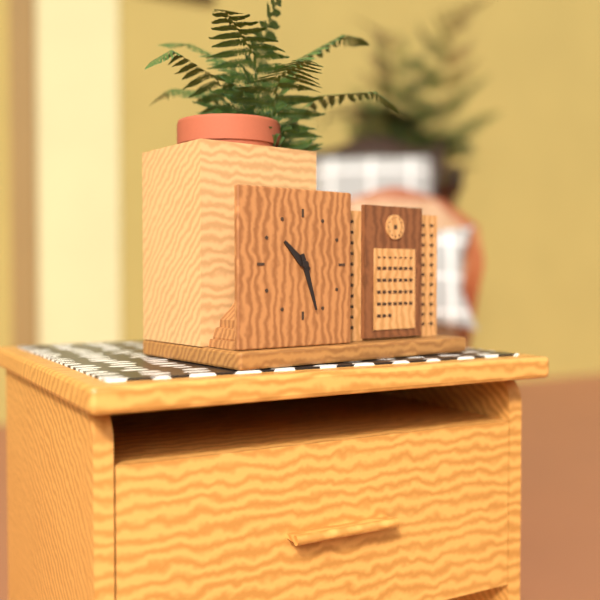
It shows 10,27
